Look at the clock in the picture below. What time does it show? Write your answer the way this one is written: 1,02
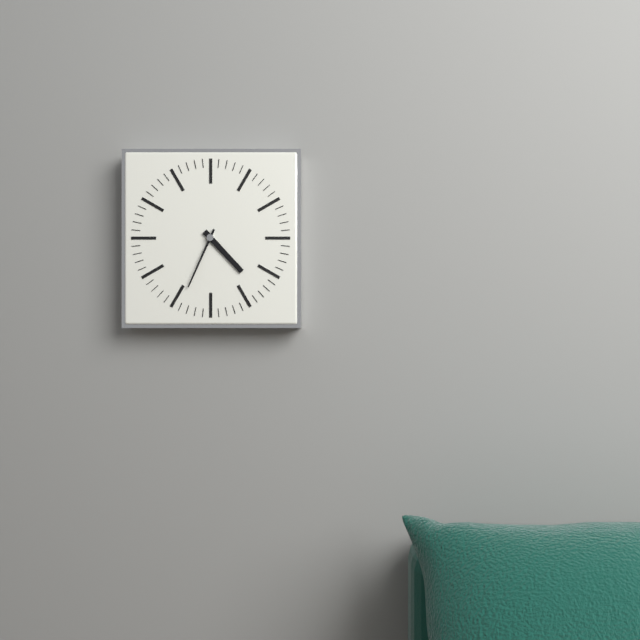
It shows 4,34
